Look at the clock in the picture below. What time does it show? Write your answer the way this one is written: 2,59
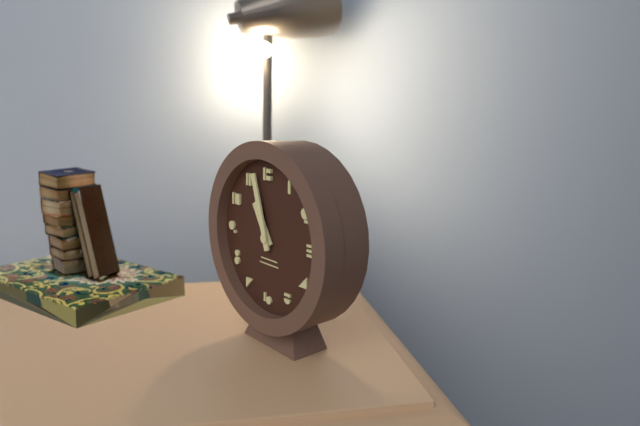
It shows 10,57
